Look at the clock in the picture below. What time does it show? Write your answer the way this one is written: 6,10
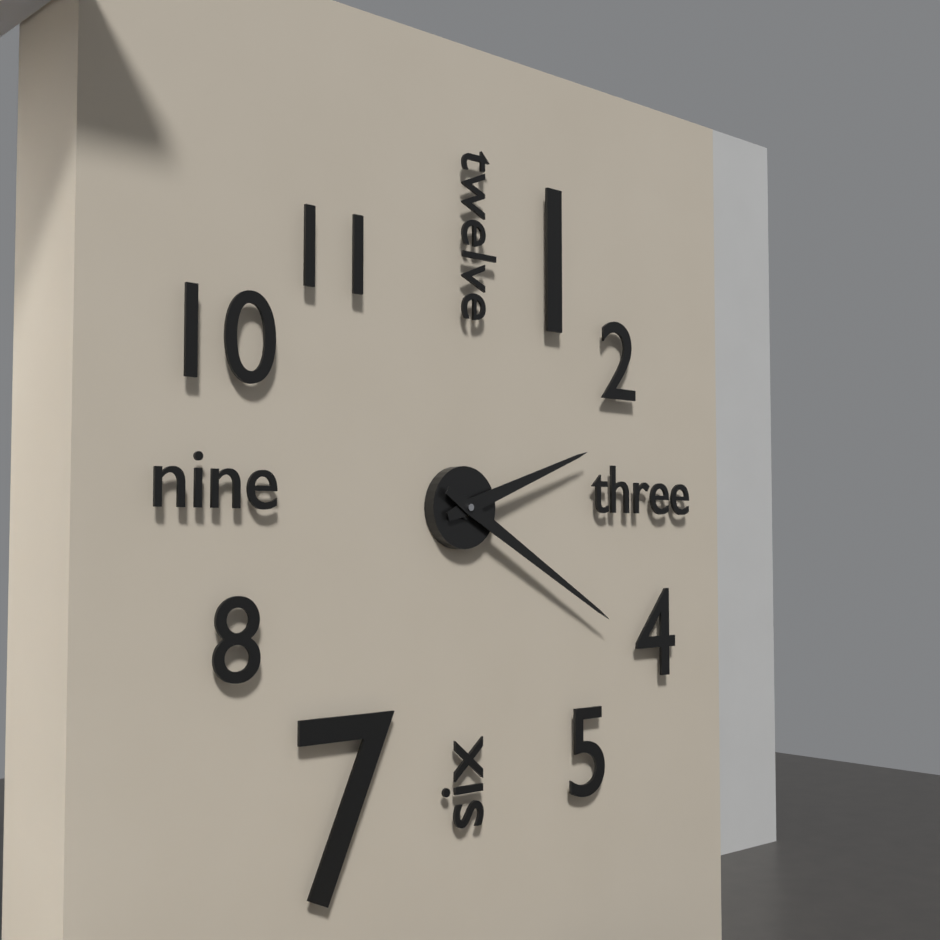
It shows 2,20
